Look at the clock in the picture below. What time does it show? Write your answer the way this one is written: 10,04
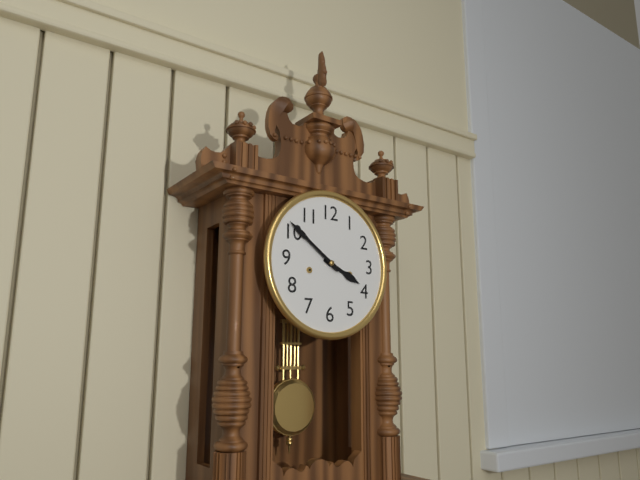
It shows 3,51
